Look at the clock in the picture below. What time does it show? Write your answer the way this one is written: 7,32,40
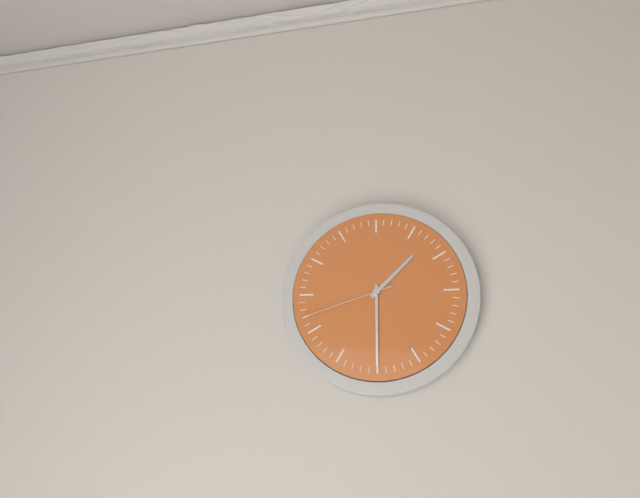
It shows 1,30,42
